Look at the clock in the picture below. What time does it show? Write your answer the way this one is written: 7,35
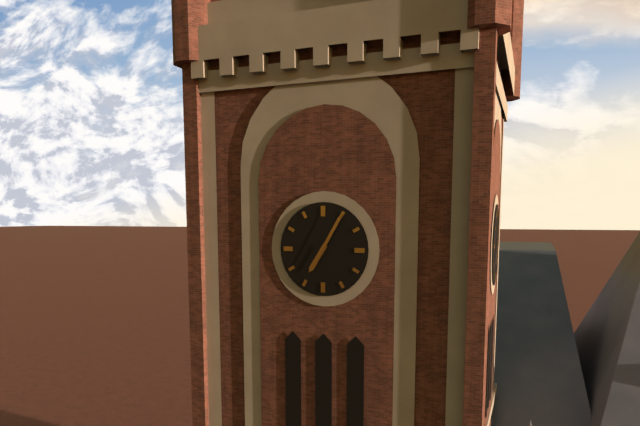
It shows 7,05
